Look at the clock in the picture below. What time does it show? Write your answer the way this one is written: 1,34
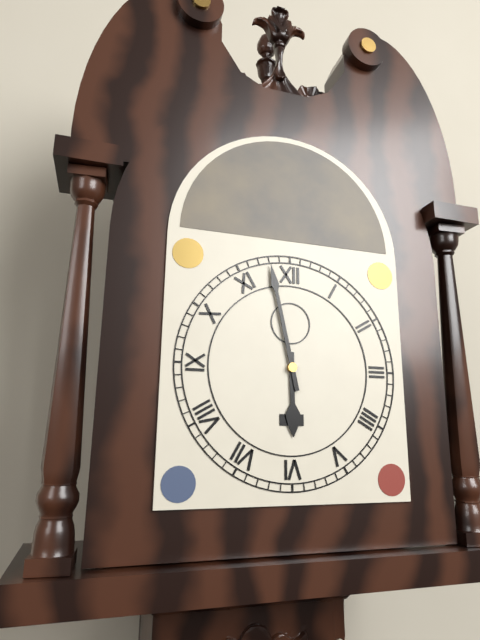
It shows 5,58
